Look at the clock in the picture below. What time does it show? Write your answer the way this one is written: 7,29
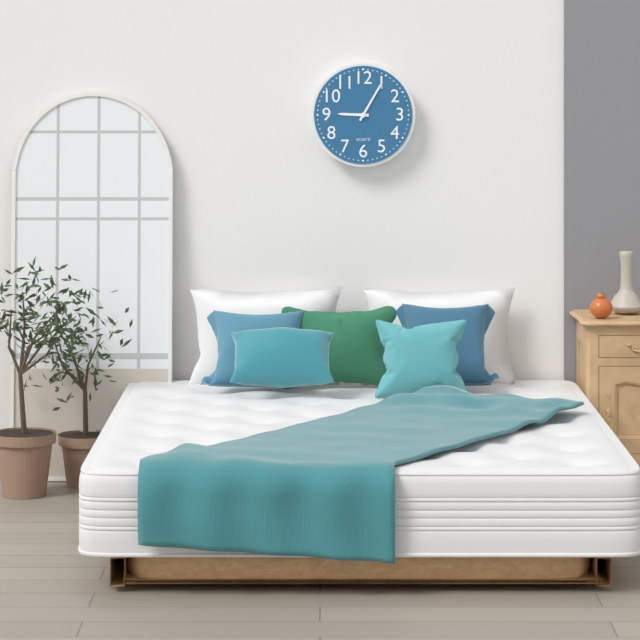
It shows 9,05
